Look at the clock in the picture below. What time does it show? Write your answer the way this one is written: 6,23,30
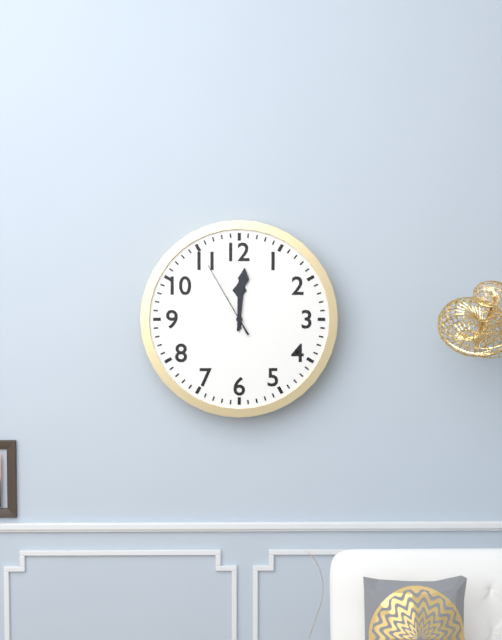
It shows 12,01,55
